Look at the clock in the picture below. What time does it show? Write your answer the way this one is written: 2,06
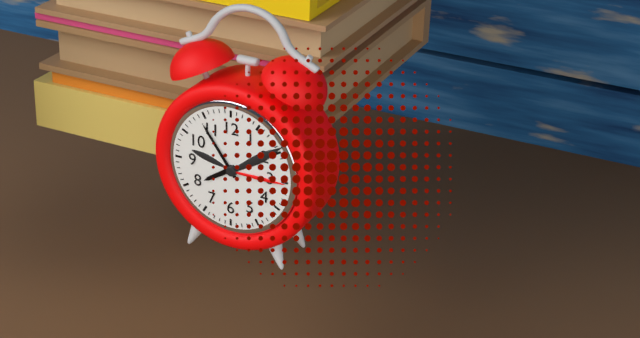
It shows 7,54
